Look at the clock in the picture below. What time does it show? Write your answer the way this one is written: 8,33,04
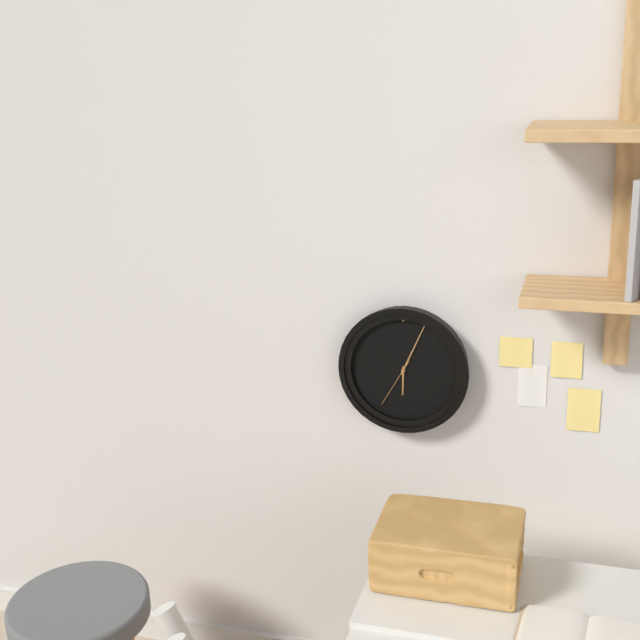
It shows 6,04,35
